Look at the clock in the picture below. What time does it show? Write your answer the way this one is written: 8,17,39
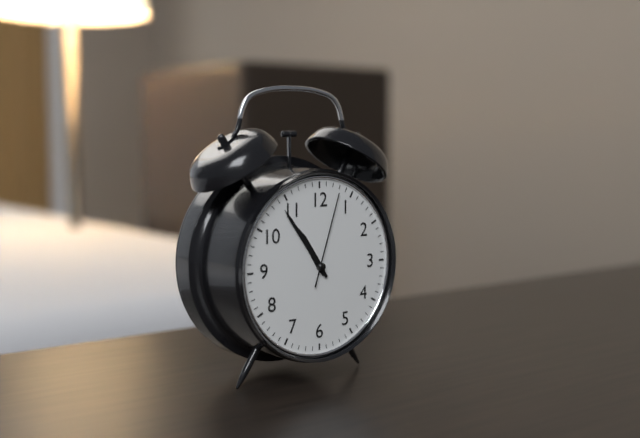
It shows 10,54,03
